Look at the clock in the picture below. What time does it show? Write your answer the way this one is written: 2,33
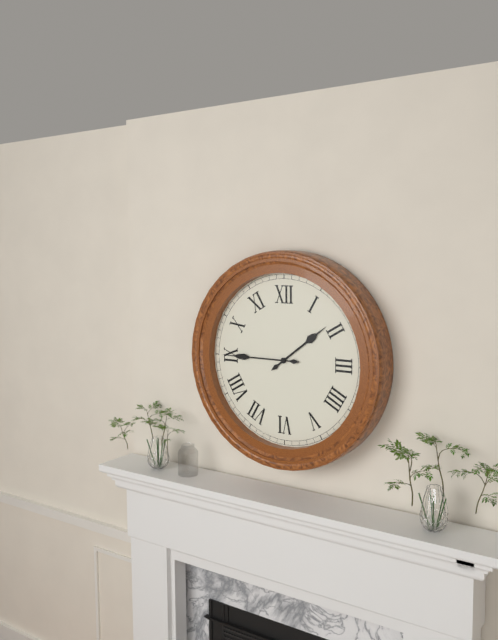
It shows 1,45
